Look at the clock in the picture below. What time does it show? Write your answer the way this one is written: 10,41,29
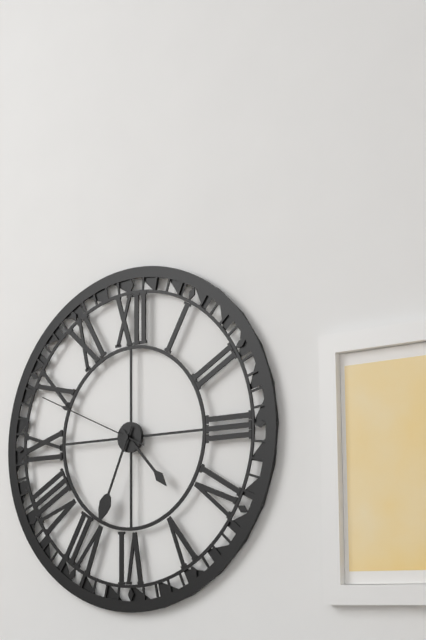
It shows 4,34,49
